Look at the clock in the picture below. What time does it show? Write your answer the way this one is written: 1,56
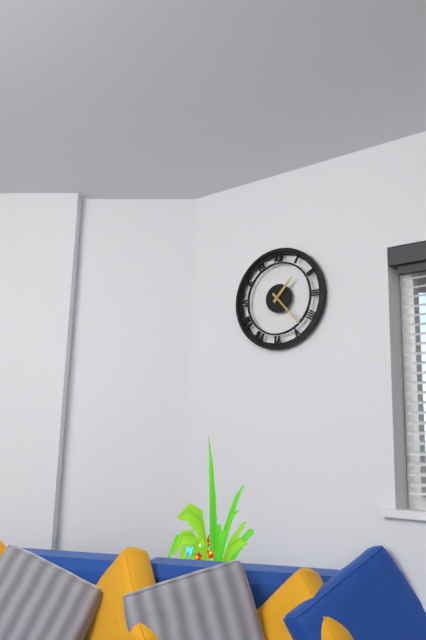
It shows 1,23
